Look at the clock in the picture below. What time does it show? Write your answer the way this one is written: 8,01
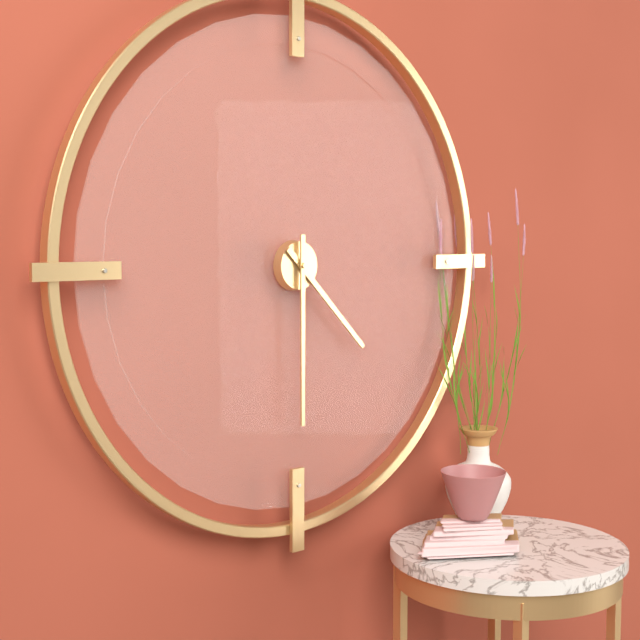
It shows 4,30
